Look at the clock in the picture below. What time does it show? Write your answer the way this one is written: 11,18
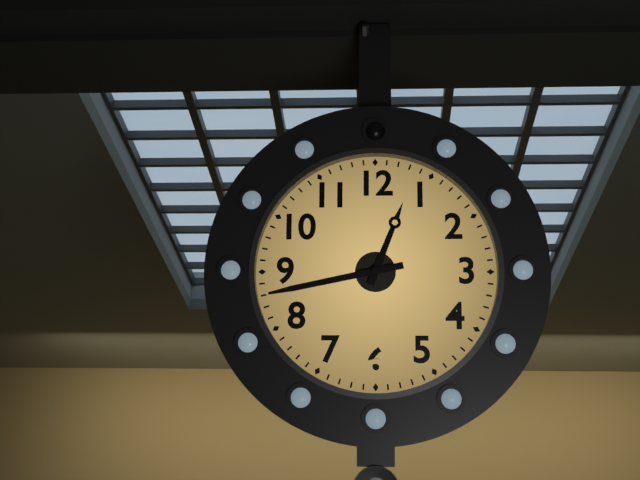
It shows 12,43
